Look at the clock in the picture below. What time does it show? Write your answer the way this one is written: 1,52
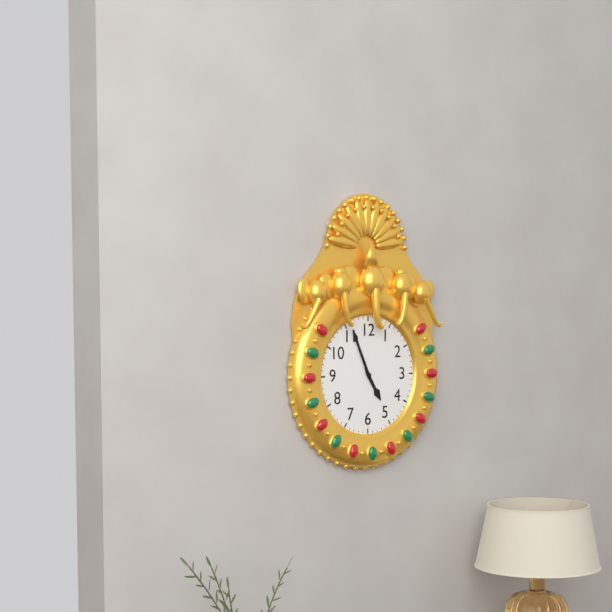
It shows 4,56
